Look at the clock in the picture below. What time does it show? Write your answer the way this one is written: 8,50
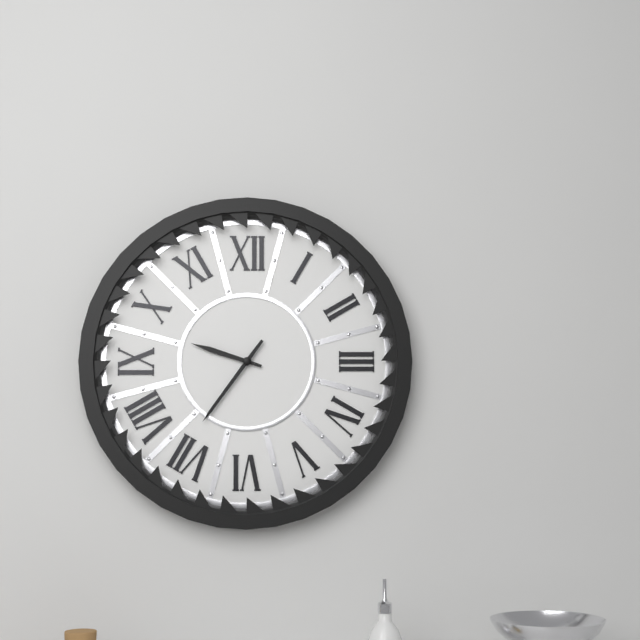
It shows 9,36
